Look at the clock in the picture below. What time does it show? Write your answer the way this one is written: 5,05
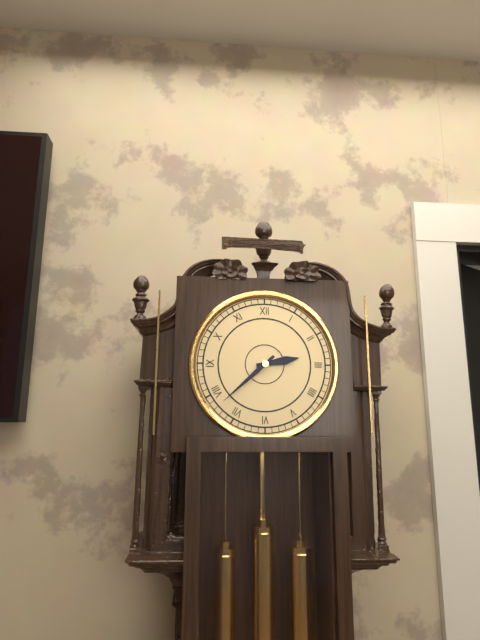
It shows 2,38
